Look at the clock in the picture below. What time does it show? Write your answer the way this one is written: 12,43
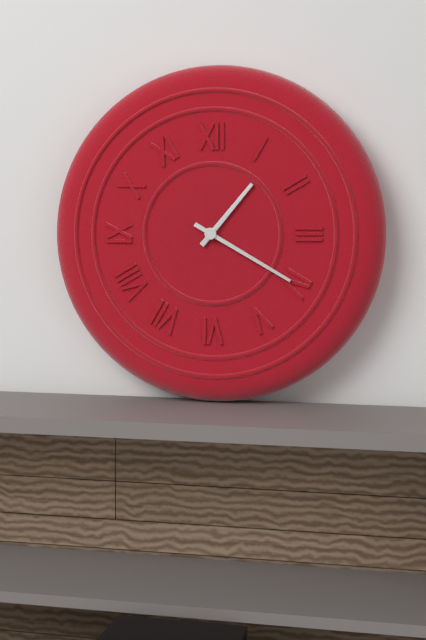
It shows 1,20
